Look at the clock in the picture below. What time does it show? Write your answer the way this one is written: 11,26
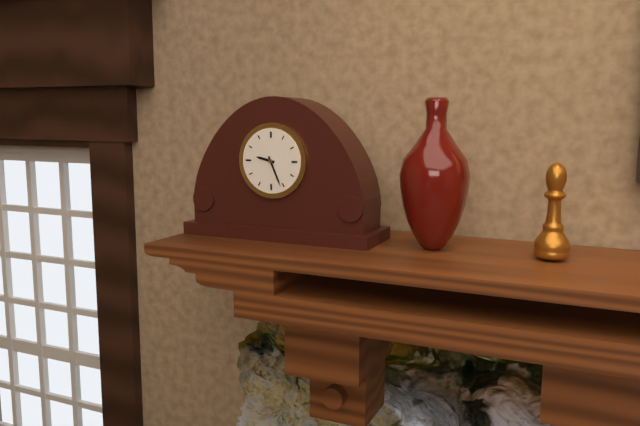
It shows 9,26
